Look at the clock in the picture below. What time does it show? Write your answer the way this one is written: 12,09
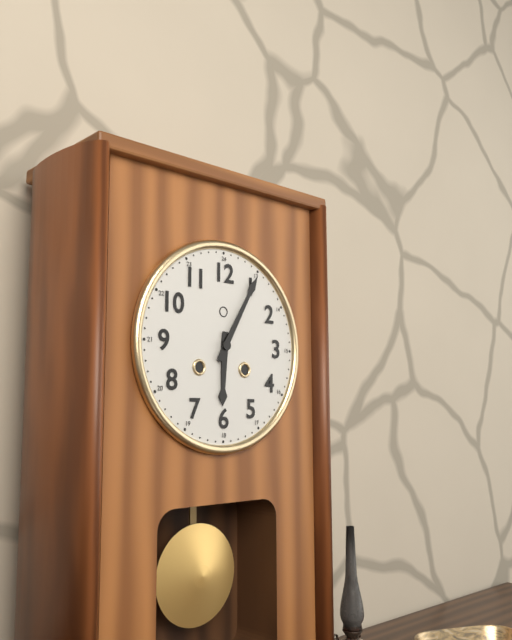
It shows 6,05
